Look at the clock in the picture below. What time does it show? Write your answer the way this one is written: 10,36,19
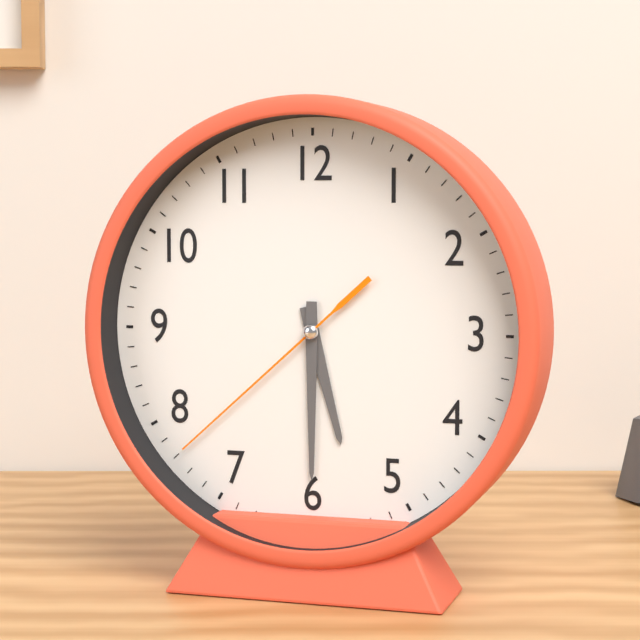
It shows 5,30,38
